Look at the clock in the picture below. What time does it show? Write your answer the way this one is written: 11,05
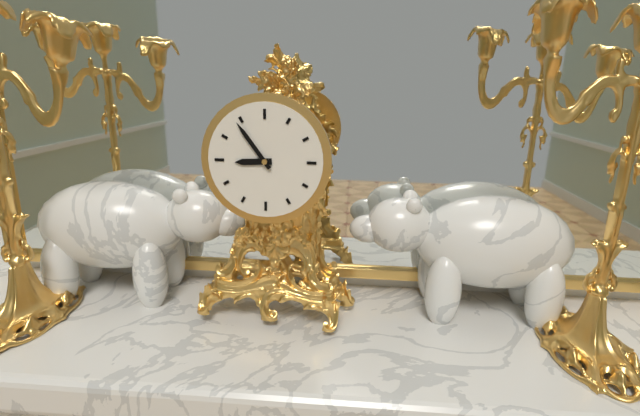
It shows 8,54
